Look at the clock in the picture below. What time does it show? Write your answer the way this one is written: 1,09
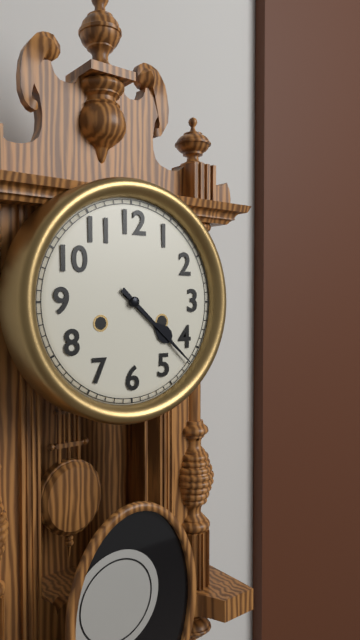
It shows 4,22
